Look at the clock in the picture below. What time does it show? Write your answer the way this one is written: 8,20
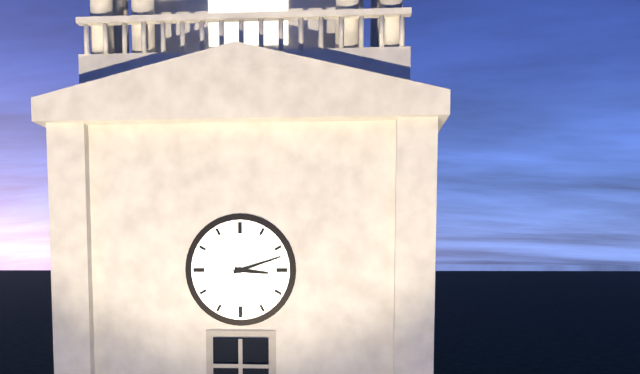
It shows 3,12
